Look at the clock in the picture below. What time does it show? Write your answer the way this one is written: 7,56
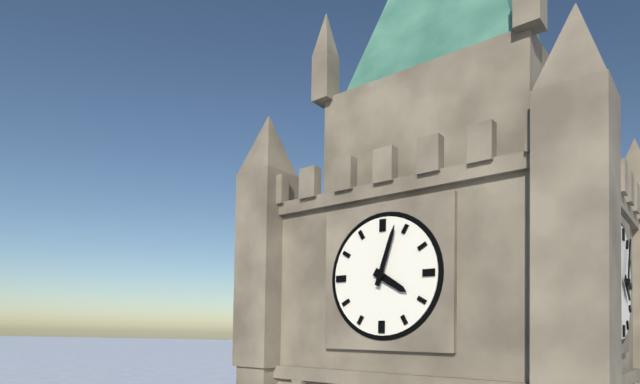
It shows 4,03
